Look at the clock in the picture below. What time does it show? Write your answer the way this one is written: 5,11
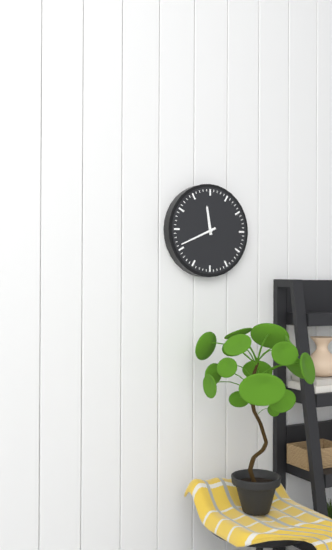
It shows 11,41
